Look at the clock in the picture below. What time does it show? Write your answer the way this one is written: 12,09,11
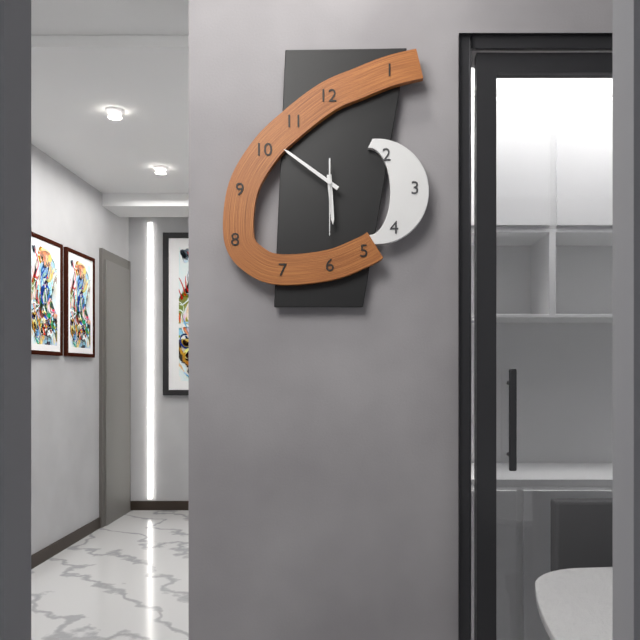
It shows 5,51,30
